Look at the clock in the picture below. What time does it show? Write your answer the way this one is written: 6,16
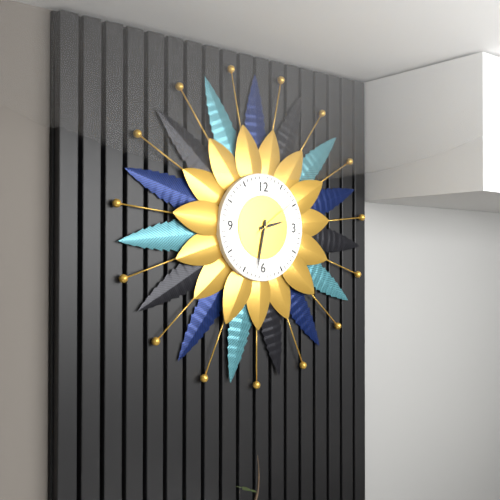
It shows 2,32
